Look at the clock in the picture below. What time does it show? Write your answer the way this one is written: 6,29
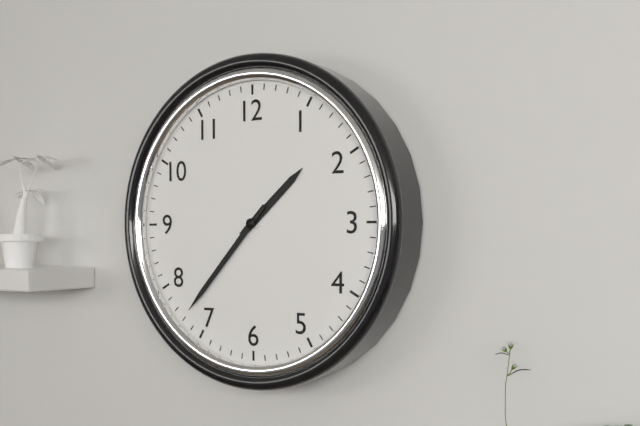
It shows 1,37
